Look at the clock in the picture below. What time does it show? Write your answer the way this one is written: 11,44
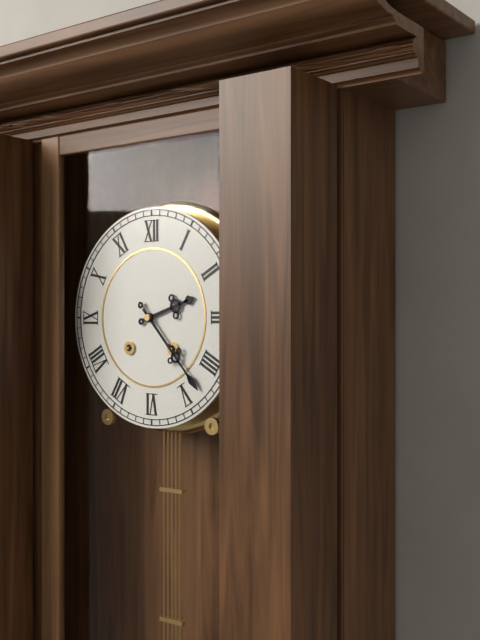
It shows 2,23
